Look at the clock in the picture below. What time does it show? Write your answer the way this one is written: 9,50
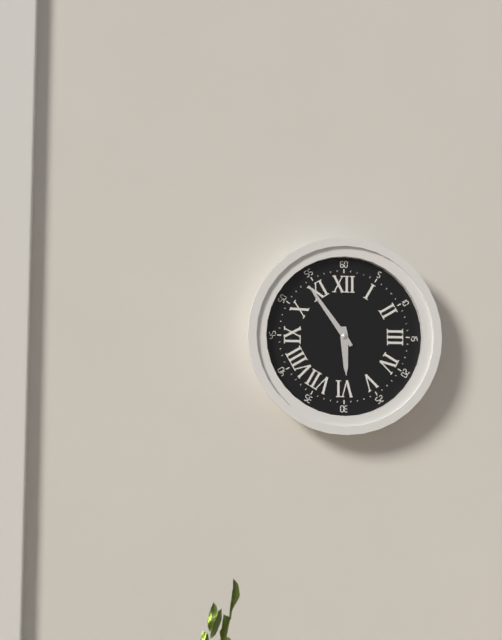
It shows 5,54
